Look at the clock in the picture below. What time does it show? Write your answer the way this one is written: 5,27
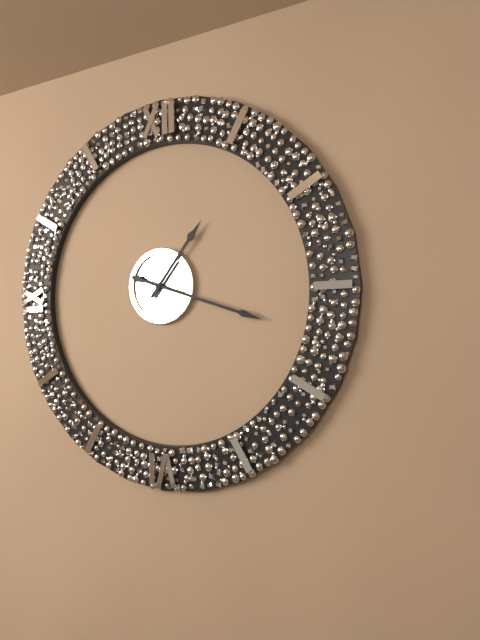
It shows 1,18
